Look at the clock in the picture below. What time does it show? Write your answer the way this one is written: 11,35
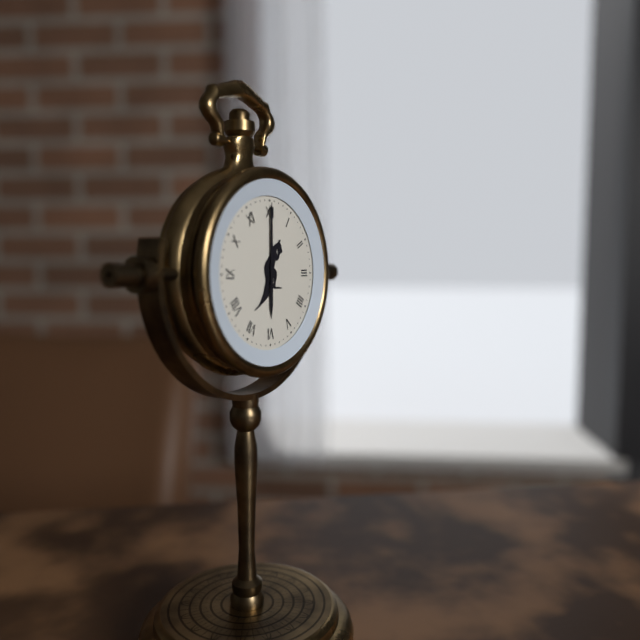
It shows 6,00
